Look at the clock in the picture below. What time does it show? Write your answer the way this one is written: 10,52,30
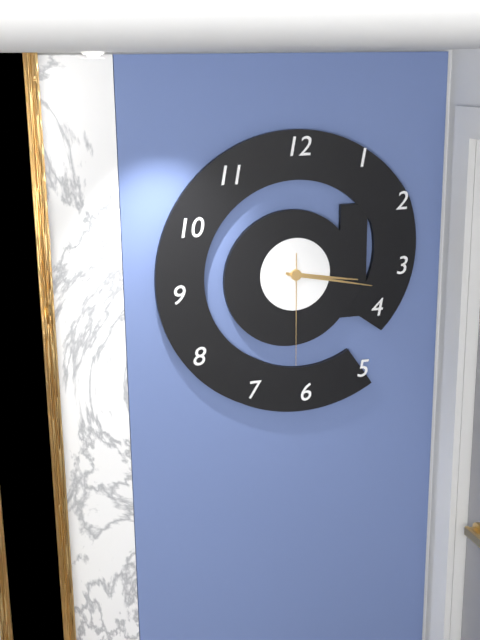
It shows 3,17,30
